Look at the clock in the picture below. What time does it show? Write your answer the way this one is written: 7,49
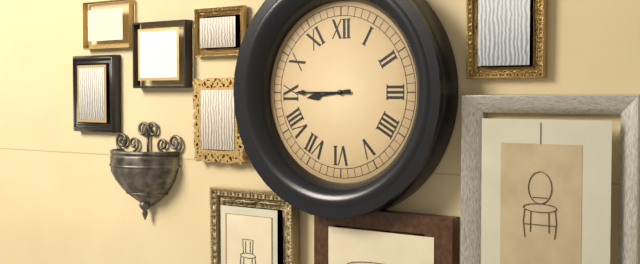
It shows 8,45
